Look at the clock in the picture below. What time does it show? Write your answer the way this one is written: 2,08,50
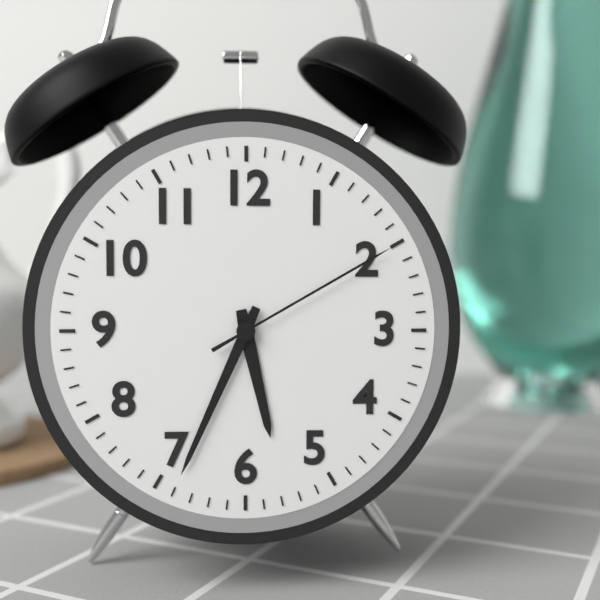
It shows 5,34,10
